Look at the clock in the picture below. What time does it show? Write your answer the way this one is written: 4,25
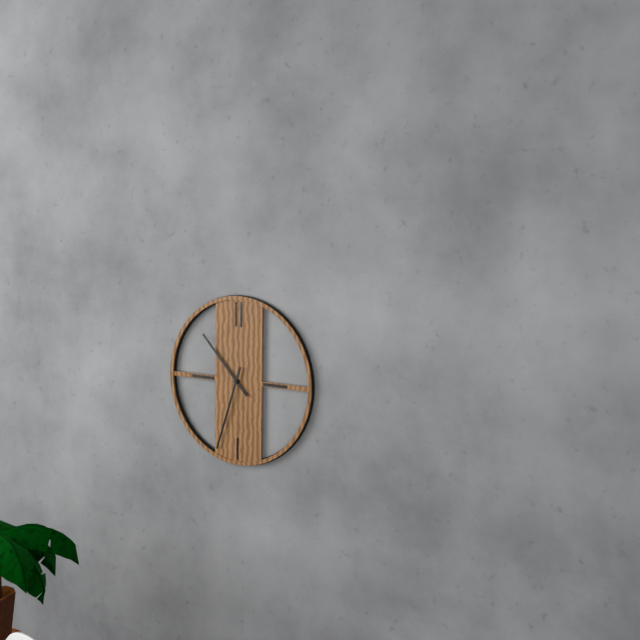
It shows 10,33
